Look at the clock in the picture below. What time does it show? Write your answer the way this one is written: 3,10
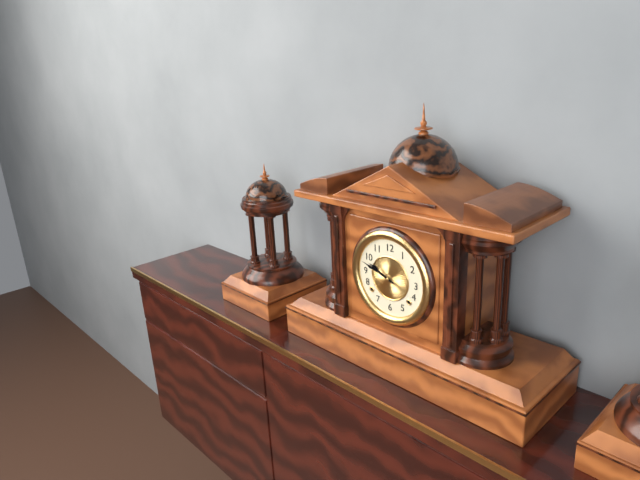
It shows 9,48
